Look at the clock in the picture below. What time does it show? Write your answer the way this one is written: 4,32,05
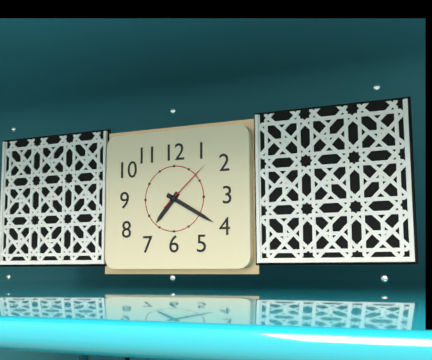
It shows 7,20,08
